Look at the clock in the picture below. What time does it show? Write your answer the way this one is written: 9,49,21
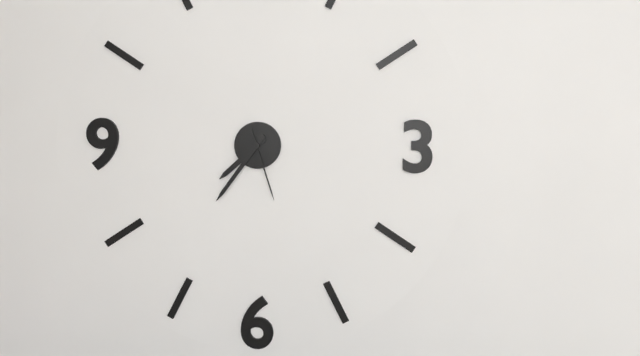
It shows 7,36,27
